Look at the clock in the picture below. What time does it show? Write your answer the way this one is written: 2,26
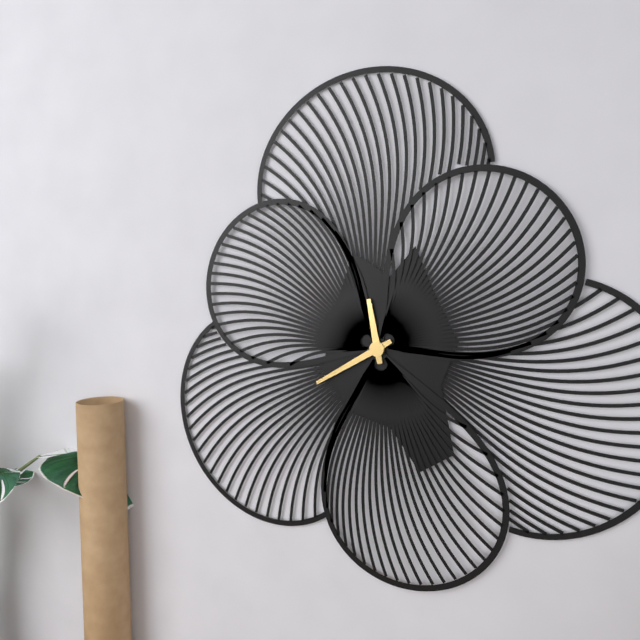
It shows 11,40
